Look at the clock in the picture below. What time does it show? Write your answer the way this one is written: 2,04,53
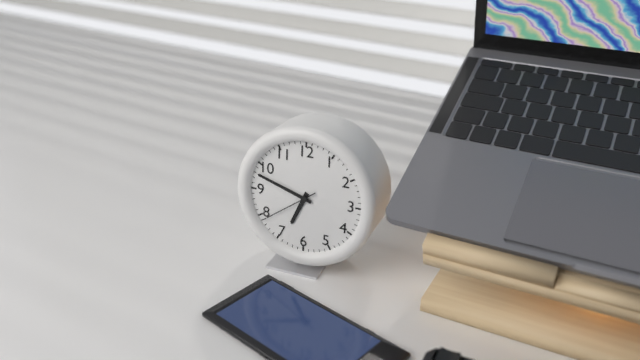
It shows 6,48,39
